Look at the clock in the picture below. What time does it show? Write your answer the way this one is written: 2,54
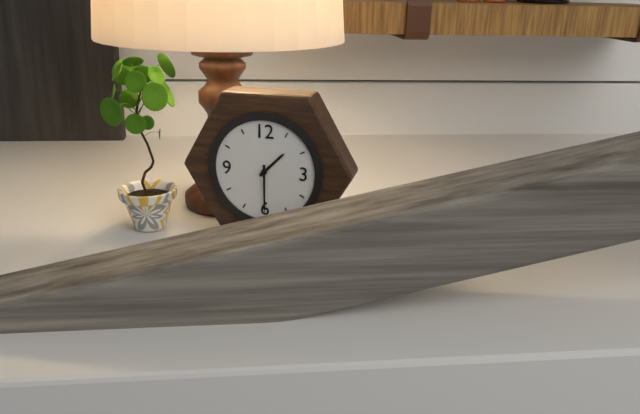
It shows 1,30
